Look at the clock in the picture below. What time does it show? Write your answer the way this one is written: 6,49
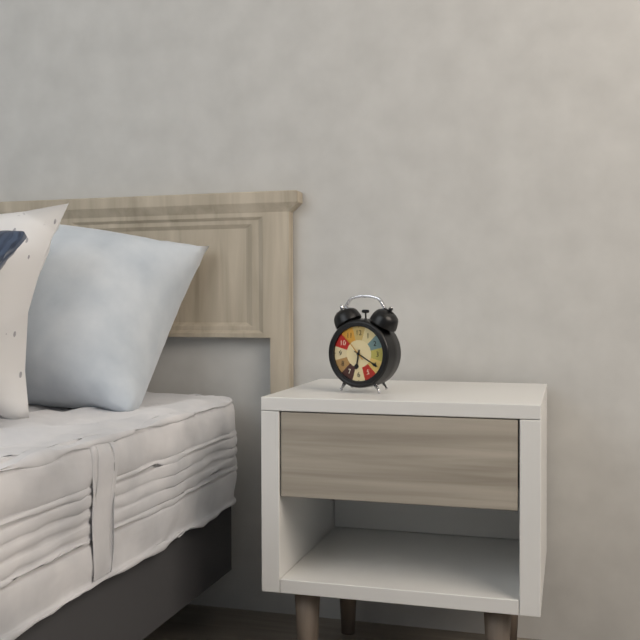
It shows 6,20
